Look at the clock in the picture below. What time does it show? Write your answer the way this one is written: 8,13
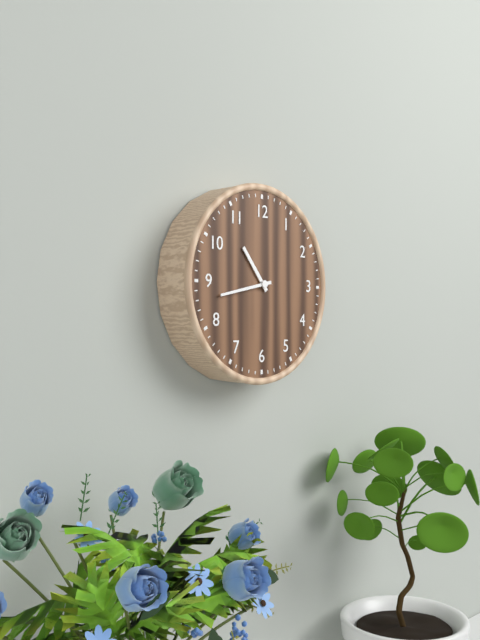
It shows 10,43
